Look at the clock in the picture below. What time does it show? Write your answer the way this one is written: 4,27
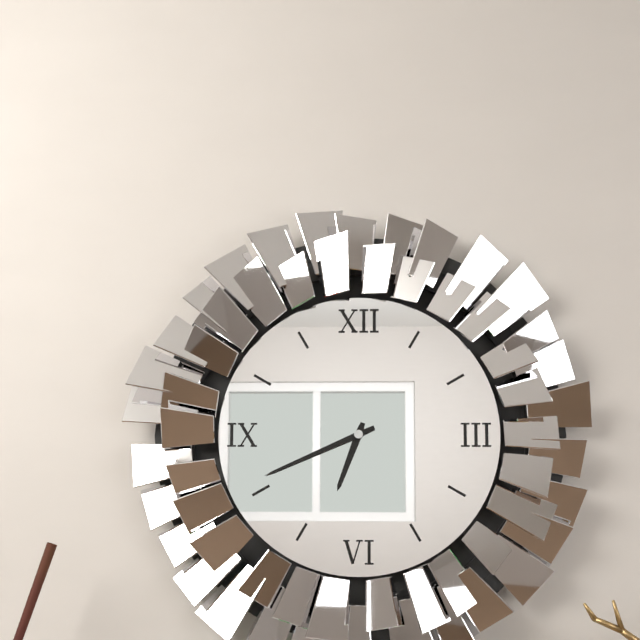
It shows 6,41
